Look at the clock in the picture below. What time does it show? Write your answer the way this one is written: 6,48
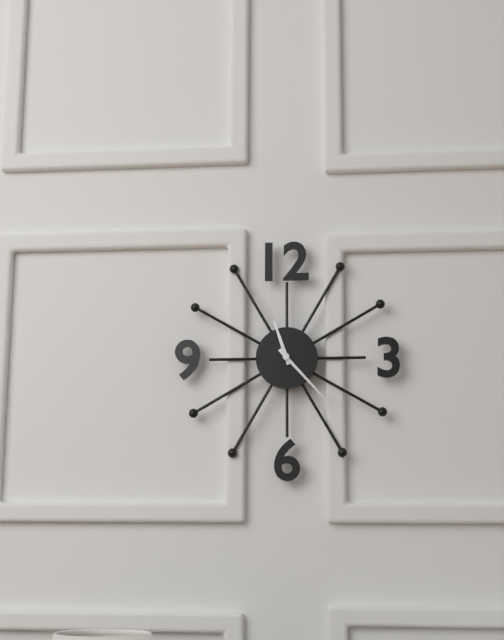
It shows 11,23
